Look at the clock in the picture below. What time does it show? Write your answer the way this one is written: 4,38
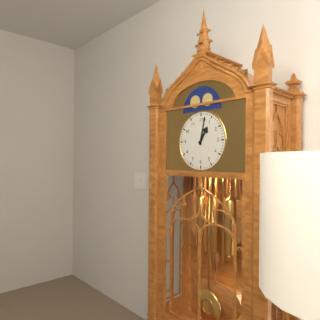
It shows 1,02
